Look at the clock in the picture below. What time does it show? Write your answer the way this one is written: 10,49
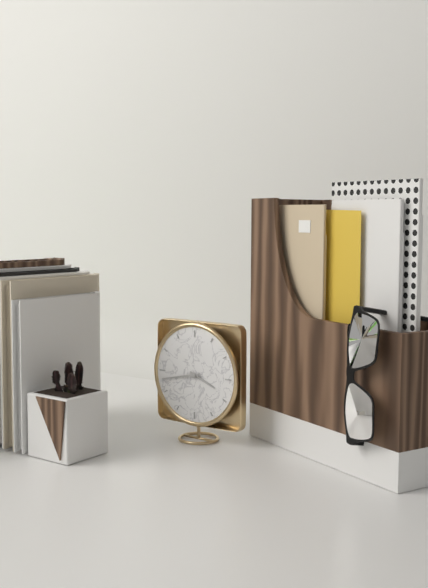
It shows 3,43
